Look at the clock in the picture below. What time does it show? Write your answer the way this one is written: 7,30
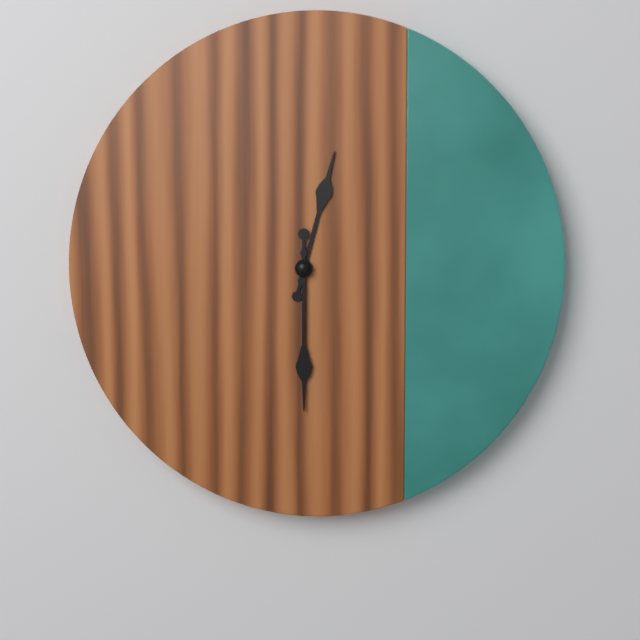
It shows 12,30
